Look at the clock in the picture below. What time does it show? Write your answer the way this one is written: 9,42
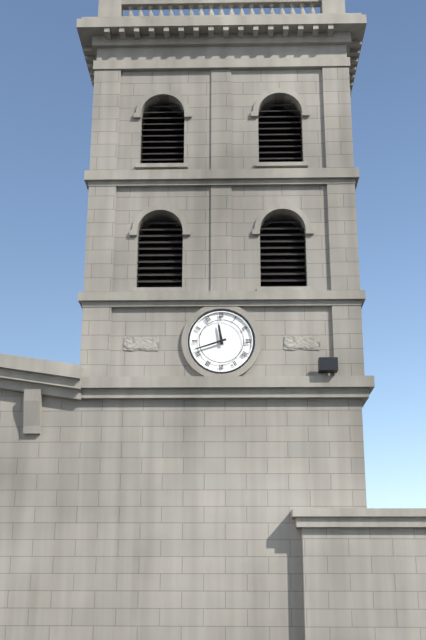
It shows 11,42
